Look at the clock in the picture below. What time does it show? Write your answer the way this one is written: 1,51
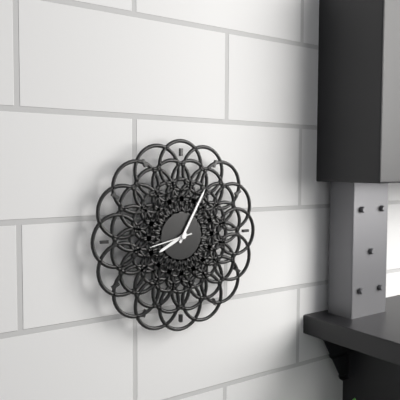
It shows 8,05
